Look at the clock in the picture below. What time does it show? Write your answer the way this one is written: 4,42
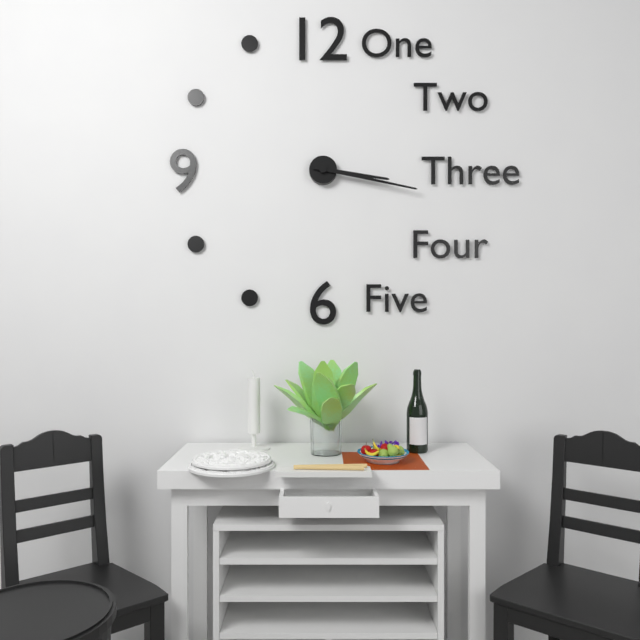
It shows 3,17
